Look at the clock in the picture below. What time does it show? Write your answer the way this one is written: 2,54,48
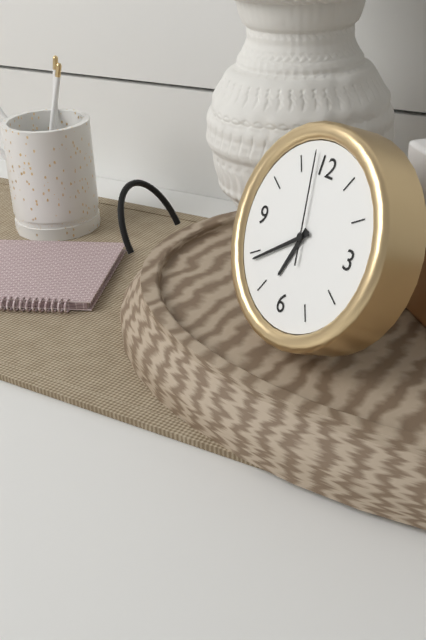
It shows 6,39,58
